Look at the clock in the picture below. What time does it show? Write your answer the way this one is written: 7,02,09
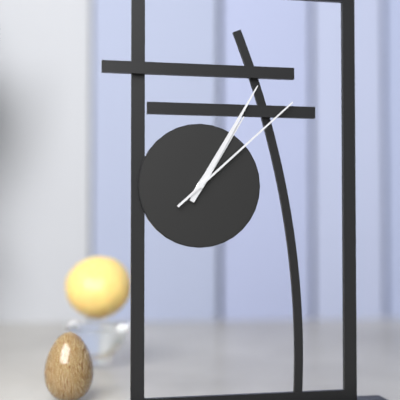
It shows 1,05,08
